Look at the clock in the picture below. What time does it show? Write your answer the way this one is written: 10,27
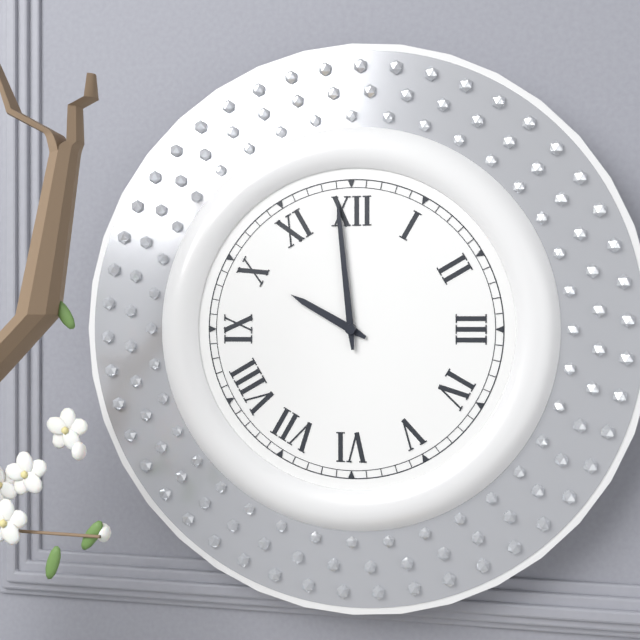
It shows 9,59
